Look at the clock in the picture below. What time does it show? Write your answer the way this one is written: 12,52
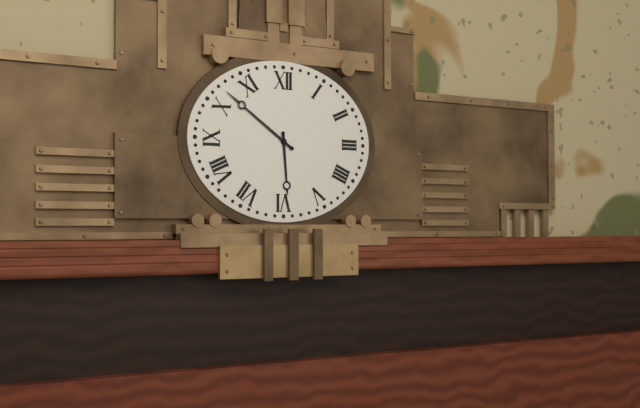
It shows 5,51
